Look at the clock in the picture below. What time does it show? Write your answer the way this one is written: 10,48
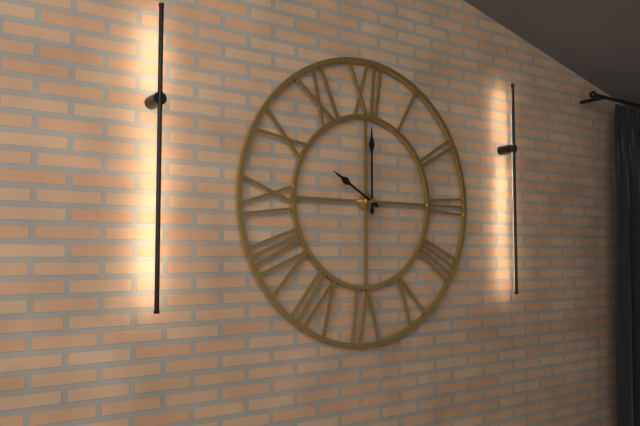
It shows 10,00
